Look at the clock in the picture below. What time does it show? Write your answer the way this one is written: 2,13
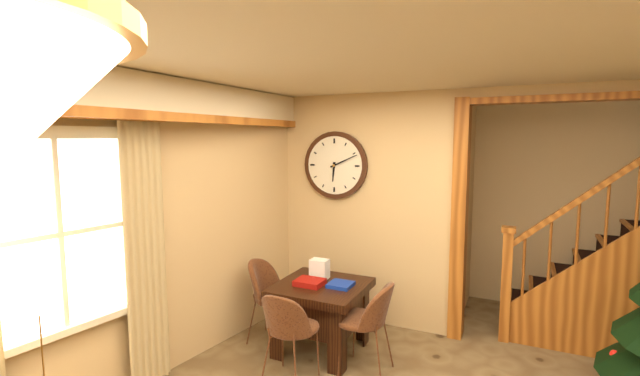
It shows 6,11
